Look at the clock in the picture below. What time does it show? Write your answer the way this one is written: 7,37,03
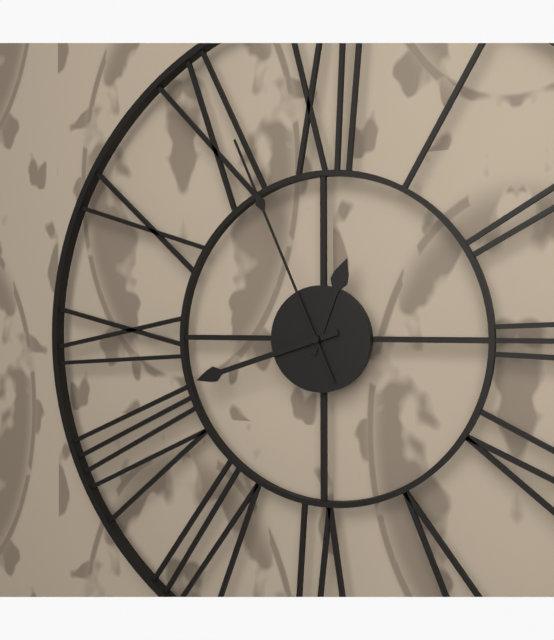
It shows 12,42,56
